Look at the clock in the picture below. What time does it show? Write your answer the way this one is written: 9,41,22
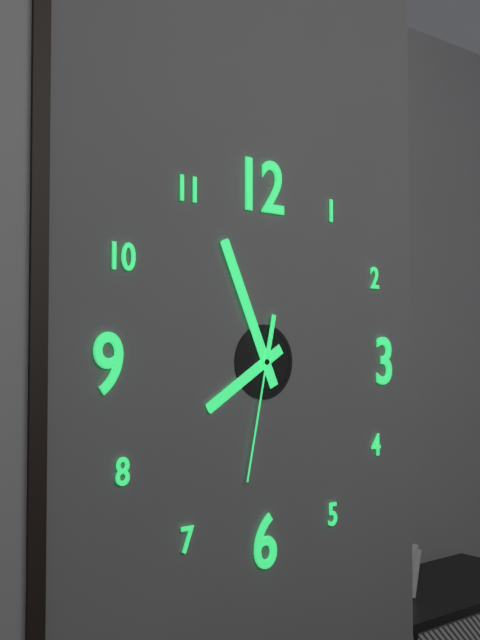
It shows 7,56,32
